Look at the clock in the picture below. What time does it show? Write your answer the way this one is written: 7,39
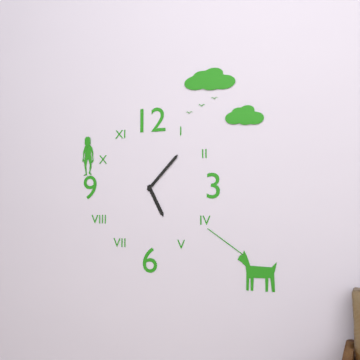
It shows 5,07
